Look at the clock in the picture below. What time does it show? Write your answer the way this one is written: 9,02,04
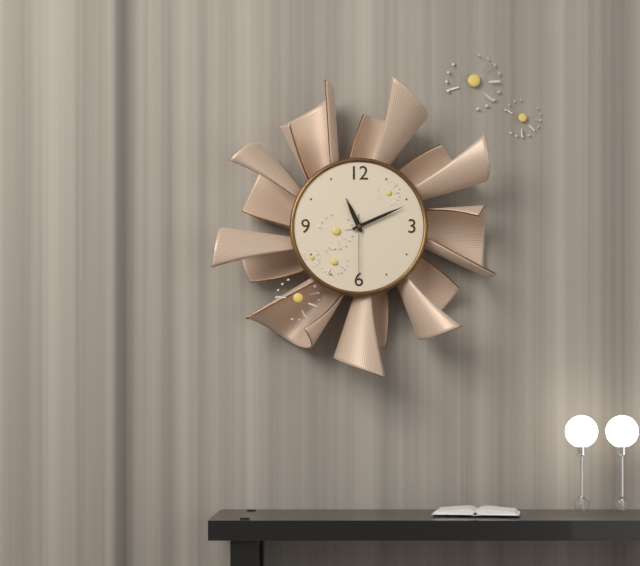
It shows 11,11,30
